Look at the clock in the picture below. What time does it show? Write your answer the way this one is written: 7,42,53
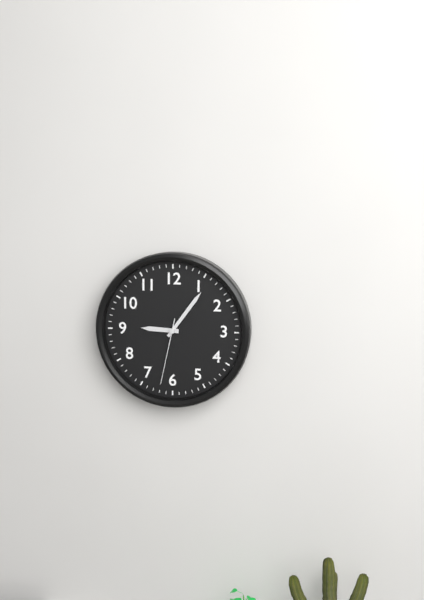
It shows 9,06,32
